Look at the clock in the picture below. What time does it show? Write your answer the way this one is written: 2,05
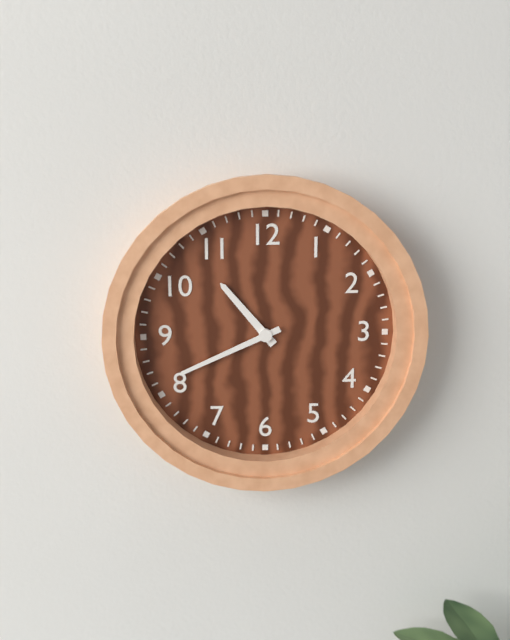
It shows 10,41
